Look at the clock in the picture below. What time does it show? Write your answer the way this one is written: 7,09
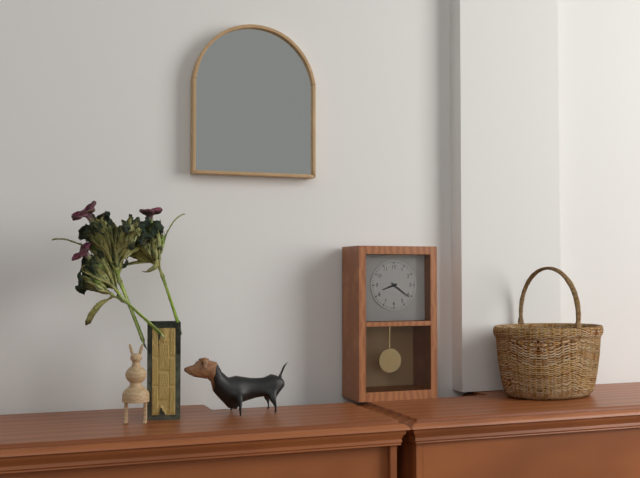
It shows 8,21
